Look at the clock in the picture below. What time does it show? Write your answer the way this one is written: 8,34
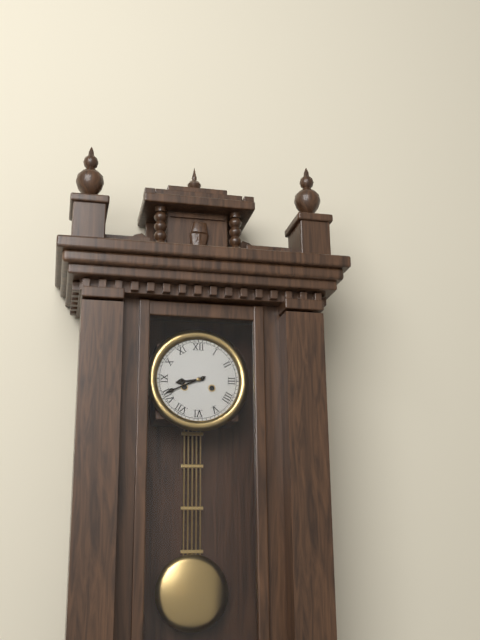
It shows 8,41
